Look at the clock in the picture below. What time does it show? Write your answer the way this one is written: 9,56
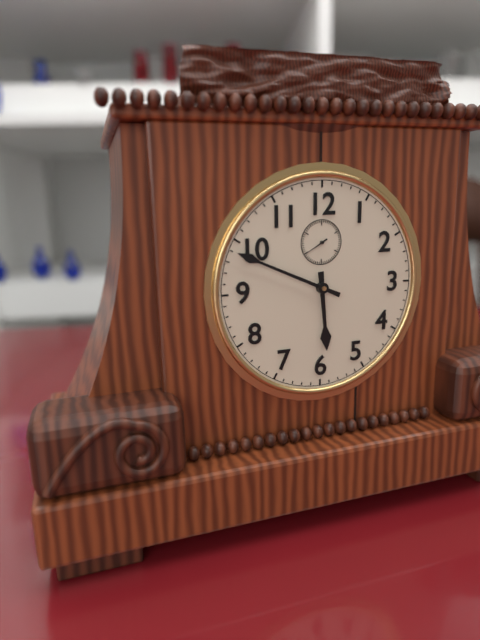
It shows 5,49
